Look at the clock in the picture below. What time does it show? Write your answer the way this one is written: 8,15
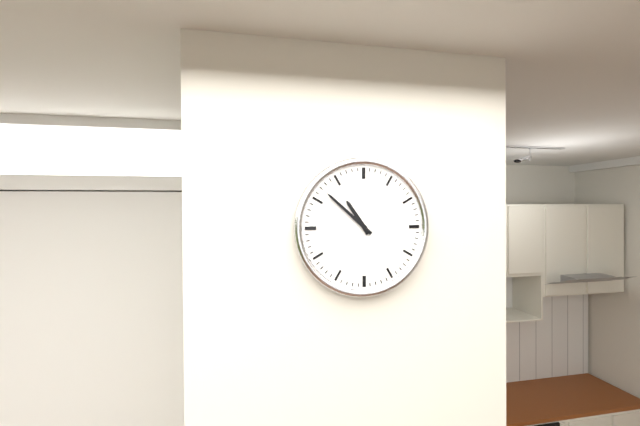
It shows 10,52
